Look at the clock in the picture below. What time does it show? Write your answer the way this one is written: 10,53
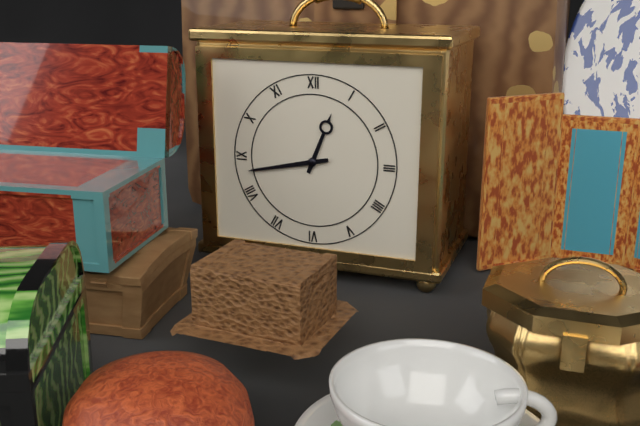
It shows 12,43
